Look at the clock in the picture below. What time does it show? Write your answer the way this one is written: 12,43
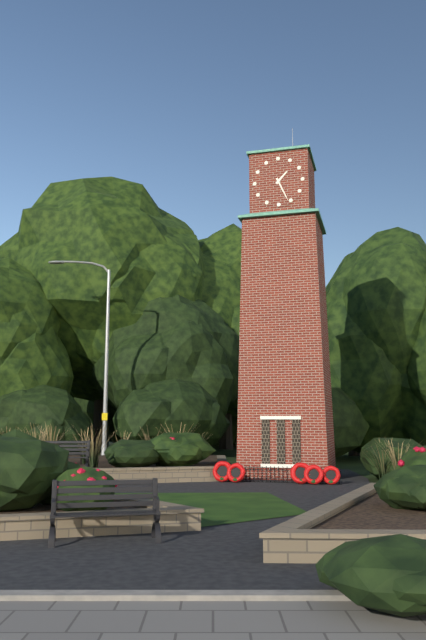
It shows 1,26
